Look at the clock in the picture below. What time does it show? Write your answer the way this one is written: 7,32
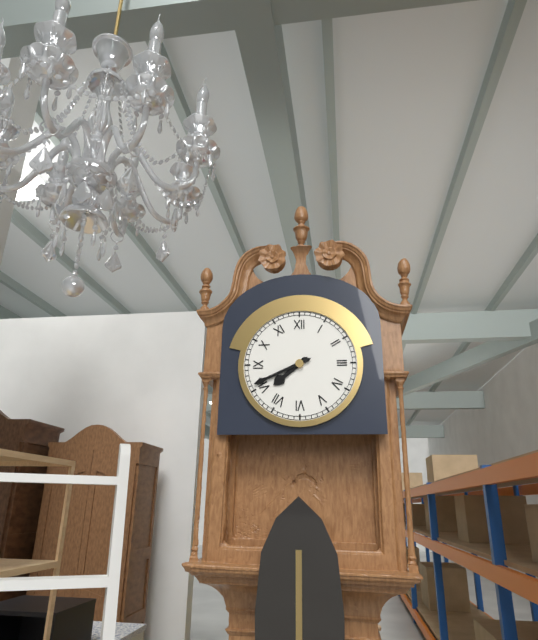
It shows 7,41
